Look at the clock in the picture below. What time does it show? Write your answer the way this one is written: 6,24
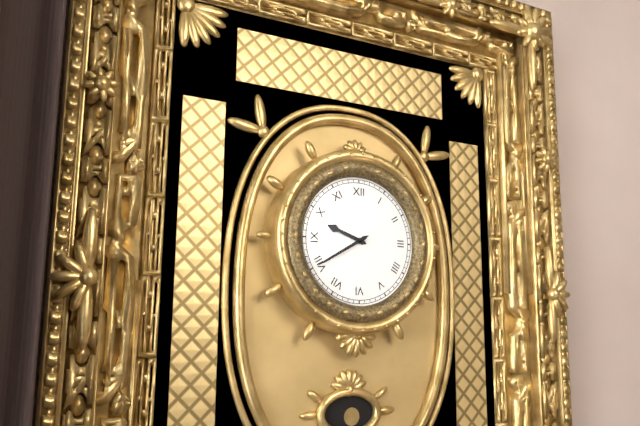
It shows 9,40
